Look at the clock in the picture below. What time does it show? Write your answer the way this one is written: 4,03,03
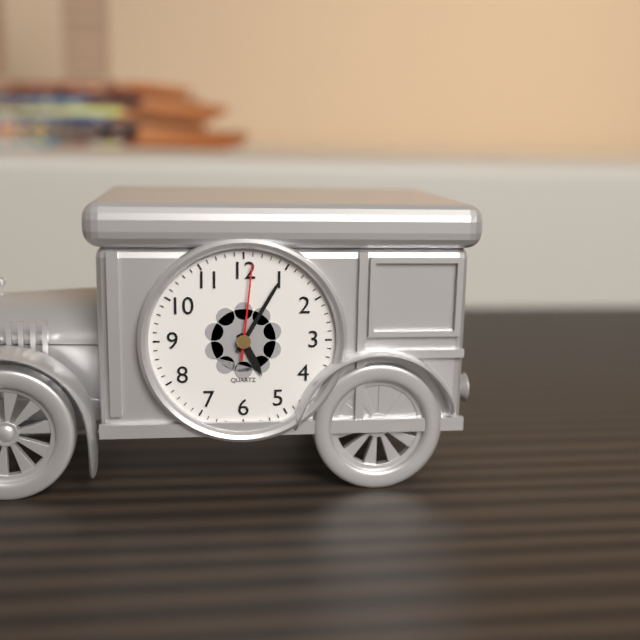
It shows 5,05,01
